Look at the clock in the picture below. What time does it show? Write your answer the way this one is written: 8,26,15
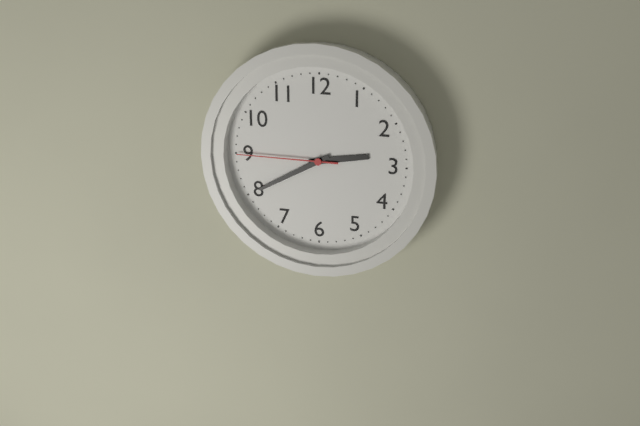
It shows 2,40,45
